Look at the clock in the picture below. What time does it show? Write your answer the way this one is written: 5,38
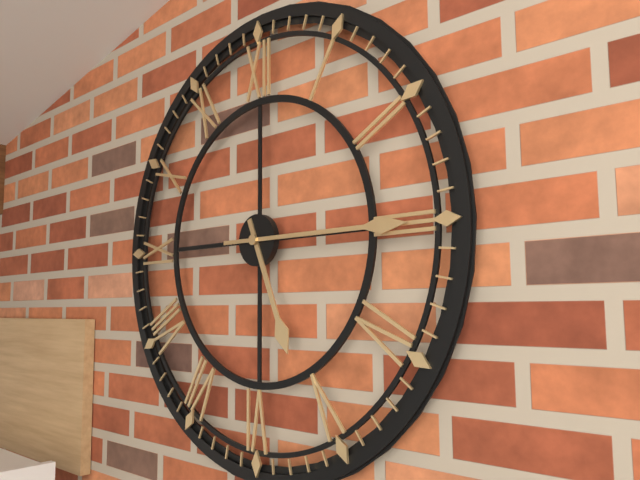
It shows 5,15
